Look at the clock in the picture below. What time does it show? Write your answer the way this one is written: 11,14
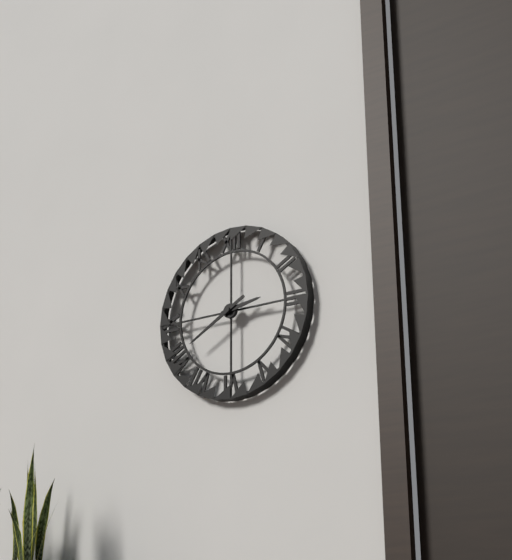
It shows 2,40
